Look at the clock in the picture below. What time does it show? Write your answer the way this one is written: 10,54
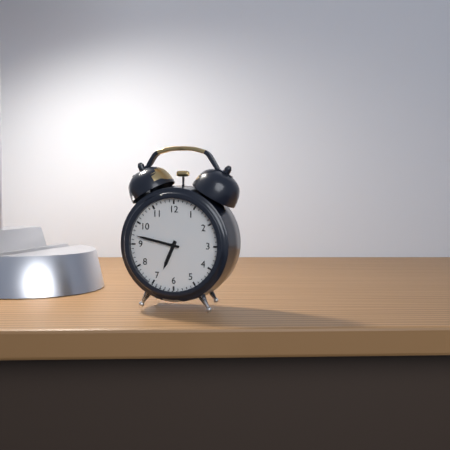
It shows 6,47
